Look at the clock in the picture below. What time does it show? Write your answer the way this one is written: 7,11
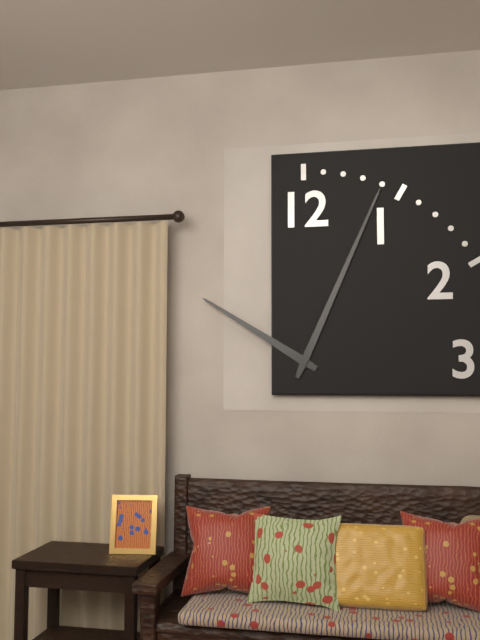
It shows 10,04
